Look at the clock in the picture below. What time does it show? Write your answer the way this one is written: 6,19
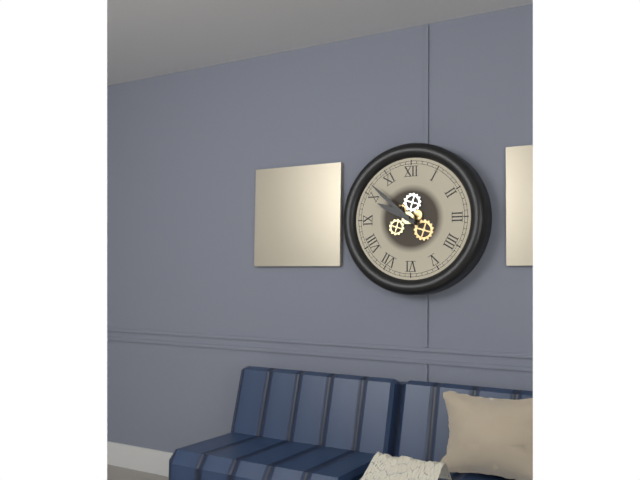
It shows 9,52
